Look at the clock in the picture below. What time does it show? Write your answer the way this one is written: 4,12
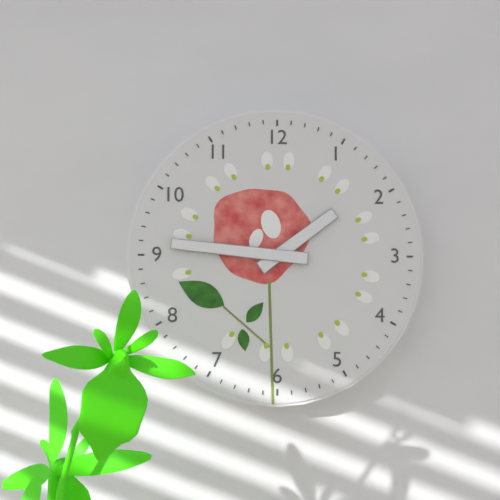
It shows 1,46
